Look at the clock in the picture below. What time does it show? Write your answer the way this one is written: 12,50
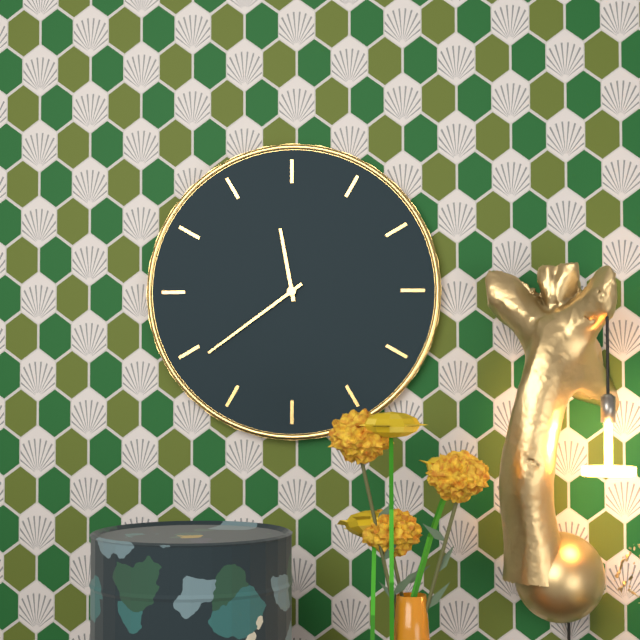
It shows 11,39
